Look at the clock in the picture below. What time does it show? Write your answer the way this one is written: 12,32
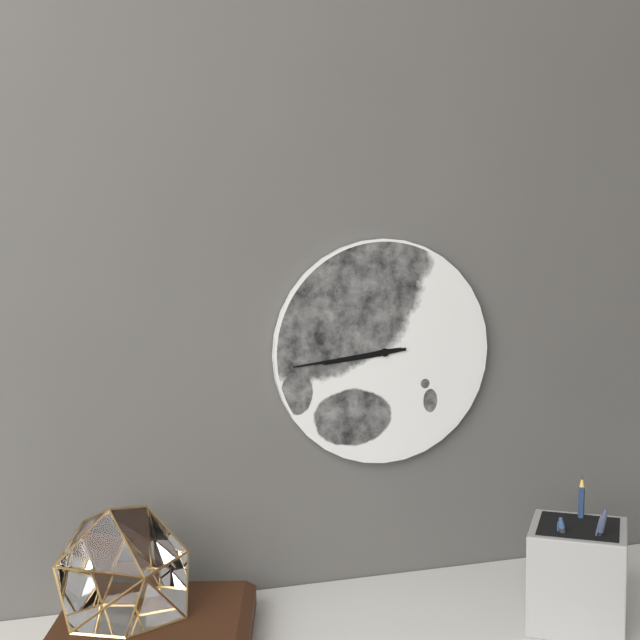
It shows 8,44
